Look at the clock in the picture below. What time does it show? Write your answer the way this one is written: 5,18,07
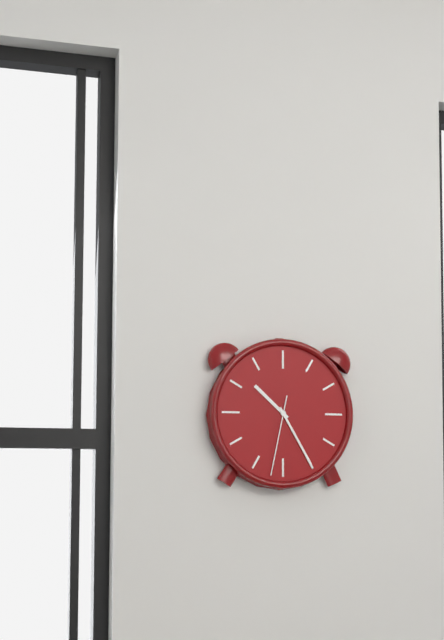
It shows 10,25,32
